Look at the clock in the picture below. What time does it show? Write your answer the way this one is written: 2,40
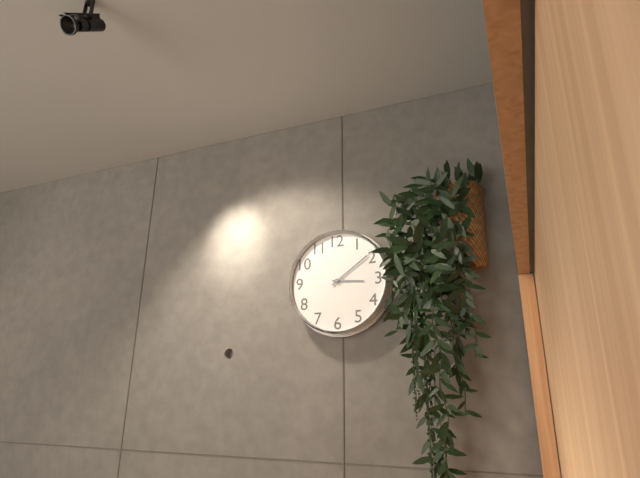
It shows 3,09
